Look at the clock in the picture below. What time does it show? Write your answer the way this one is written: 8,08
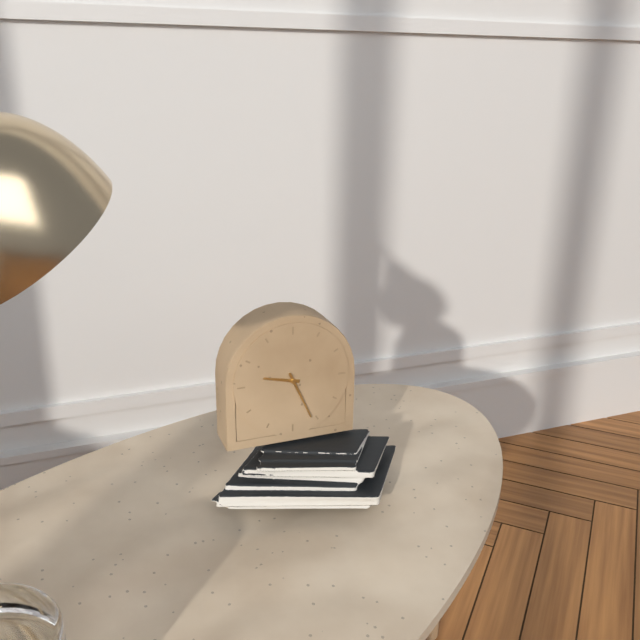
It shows 9,26
